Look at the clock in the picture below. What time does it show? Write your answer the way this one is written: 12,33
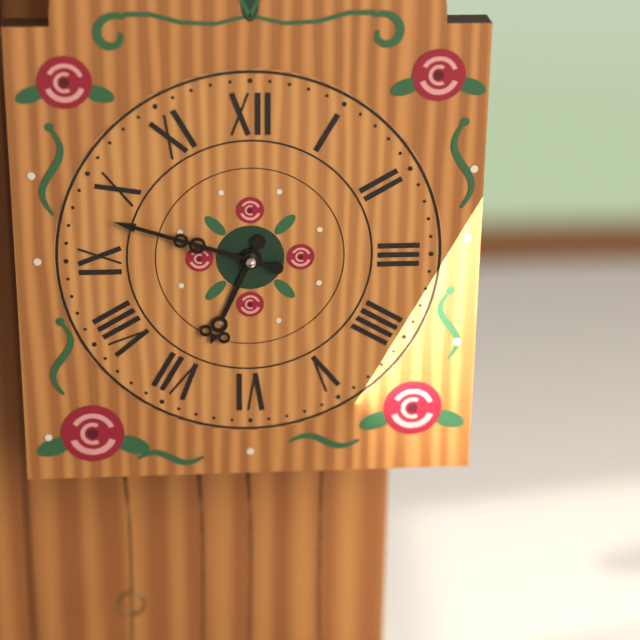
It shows 6,48
